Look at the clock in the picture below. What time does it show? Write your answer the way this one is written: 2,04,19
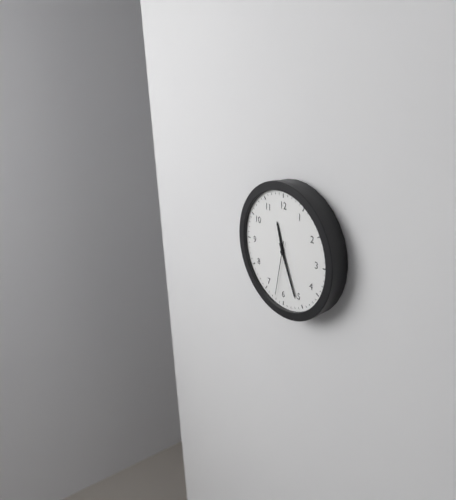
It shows 11,26,32
